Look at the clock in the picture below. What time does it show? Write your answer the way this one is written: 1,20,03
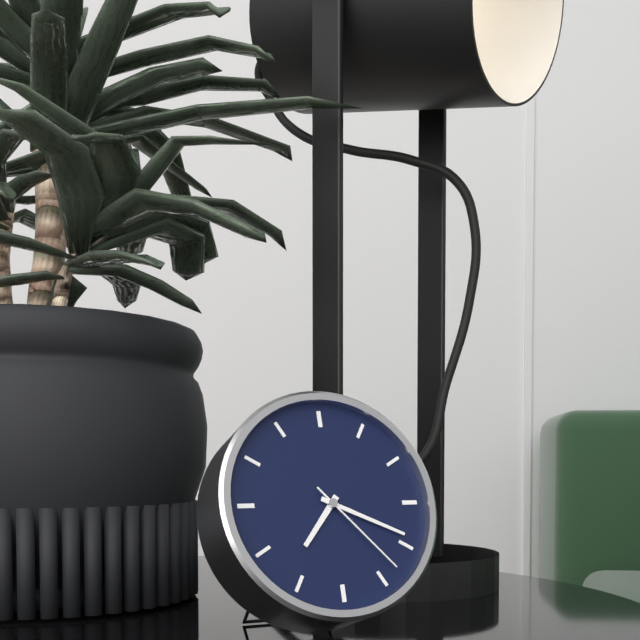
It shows 7,19,23
